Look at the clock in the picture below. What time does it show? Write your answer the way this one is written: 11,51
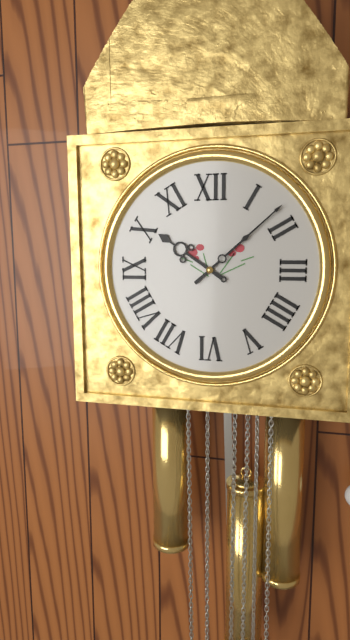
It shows 10,08
